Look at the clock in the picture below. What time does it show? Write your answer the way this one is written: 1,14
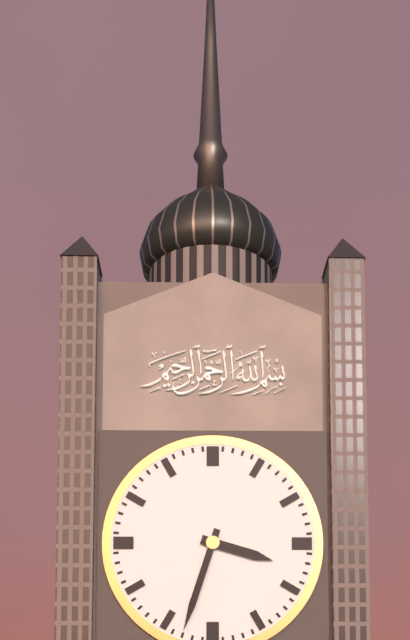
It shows 3,33
